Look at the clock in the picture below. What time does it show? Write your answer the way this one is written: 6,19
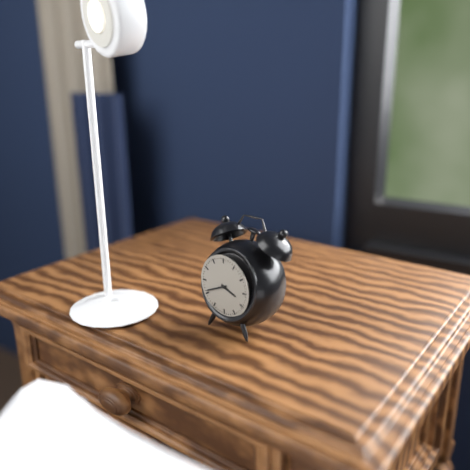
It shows 3,41
